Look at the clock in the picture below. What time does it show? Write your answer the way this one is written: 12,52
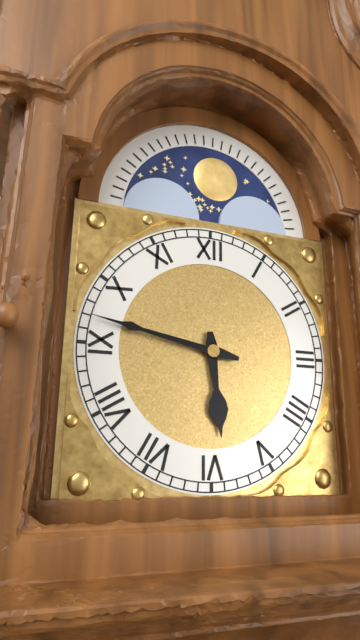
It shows 5,47
